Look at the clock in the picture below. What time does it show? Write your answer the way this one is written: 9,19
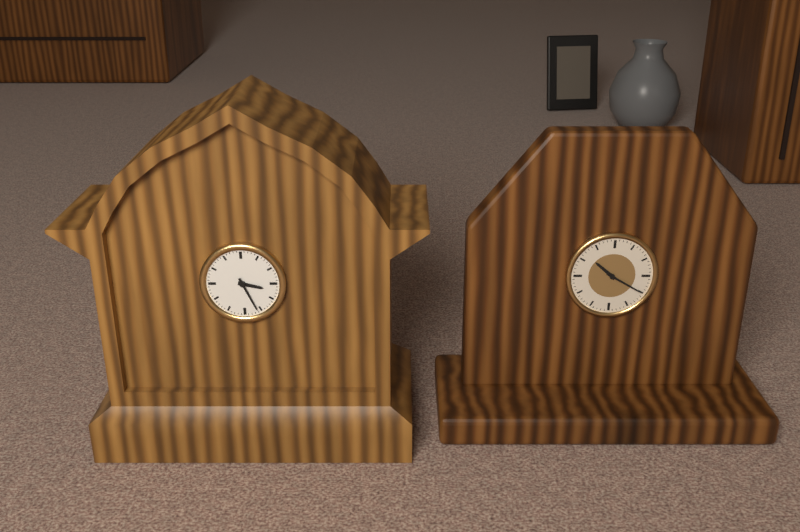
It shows 3,26
